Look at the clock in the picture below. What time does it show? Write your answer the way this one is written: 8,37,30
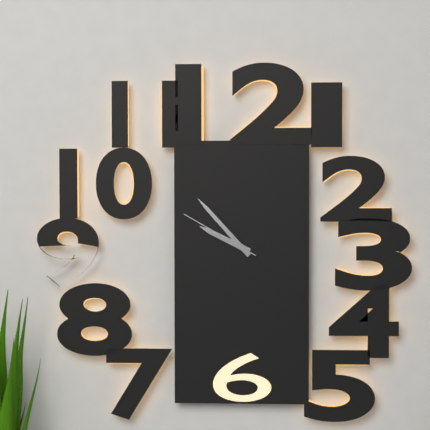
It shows 9,53,50
